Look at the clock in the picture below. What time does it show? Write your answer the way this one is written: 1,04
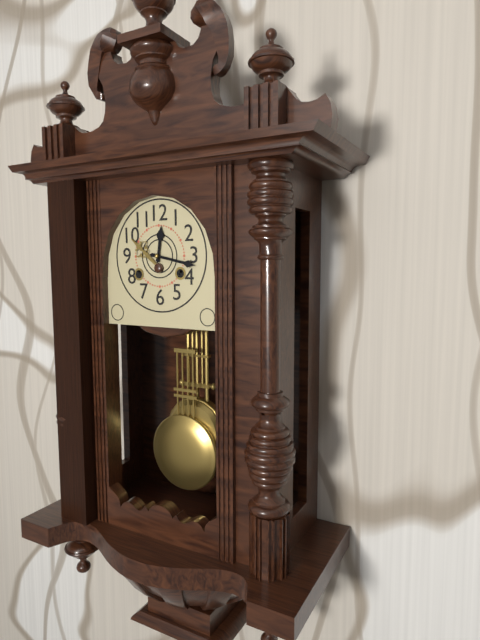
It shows 12,17
